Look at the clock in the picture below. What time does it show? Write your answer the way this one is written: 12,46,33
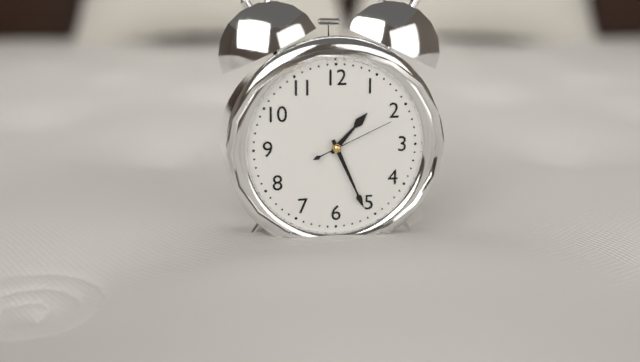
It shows 1,26,11
